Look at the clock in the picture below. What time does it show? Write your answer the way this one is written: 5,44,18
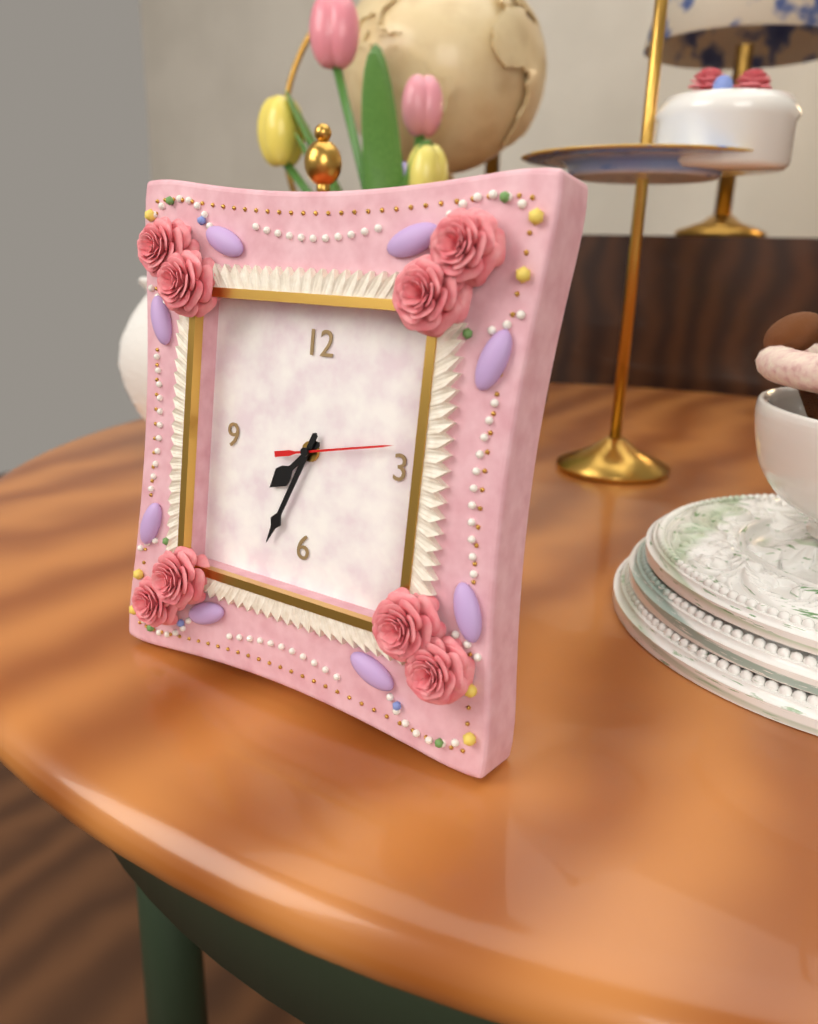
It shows 7,34,13
